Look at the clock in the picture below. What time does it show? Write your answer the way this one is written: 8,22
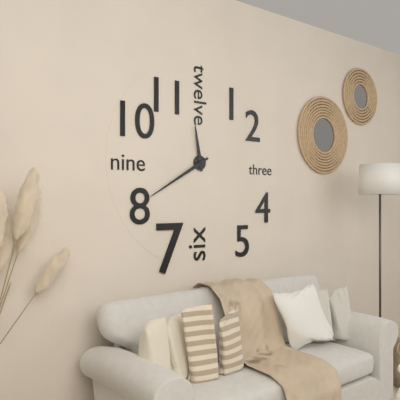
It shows 11,40
